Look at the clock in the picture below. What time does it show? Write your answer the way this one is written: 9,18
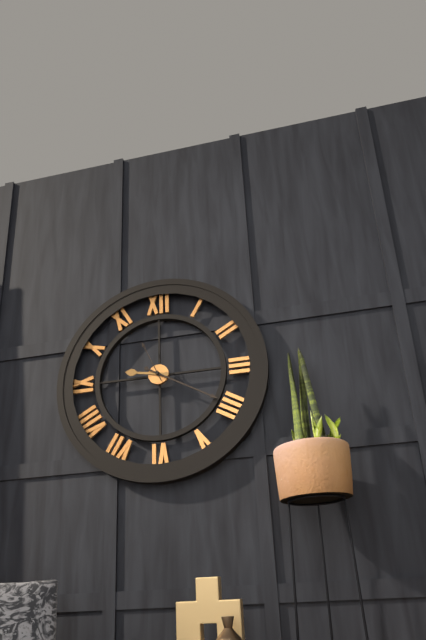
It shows 9,20
